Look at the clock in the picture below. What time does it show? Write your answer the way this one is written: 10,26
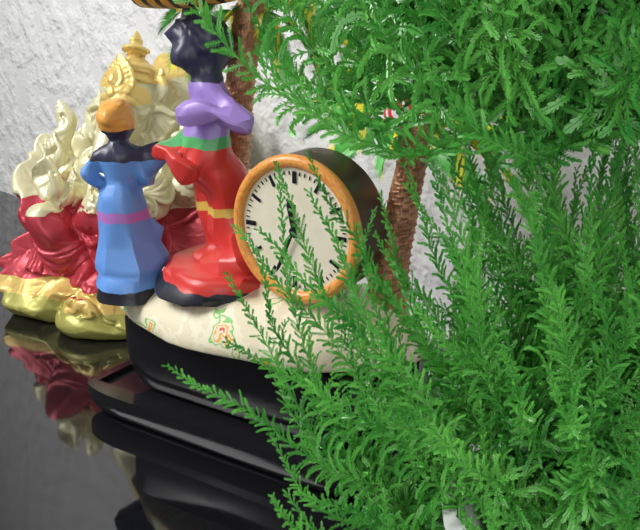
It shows 11,34
